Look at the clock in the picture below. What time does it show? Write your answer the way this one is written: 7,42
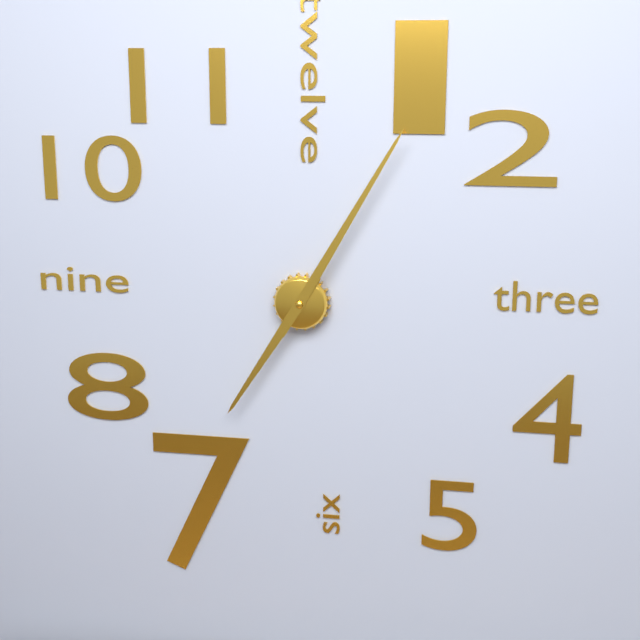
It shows 7,05
